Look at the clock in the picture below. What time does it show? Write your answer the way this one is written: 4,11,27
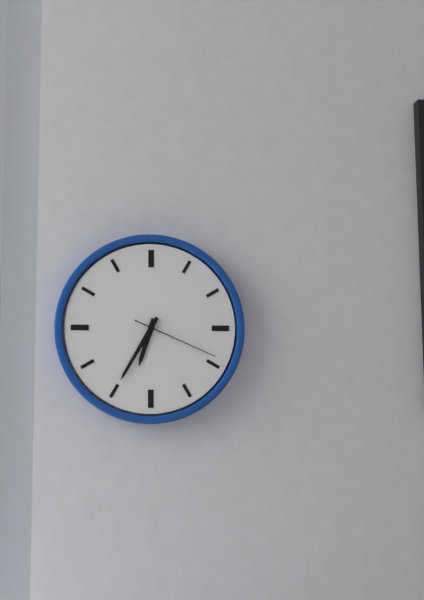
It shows 6,35,19
